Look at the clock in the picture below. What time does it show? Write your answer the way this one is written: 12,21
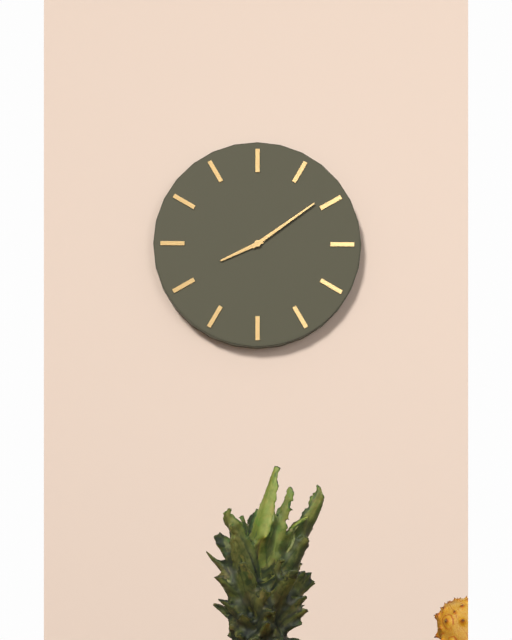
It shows 8,09
